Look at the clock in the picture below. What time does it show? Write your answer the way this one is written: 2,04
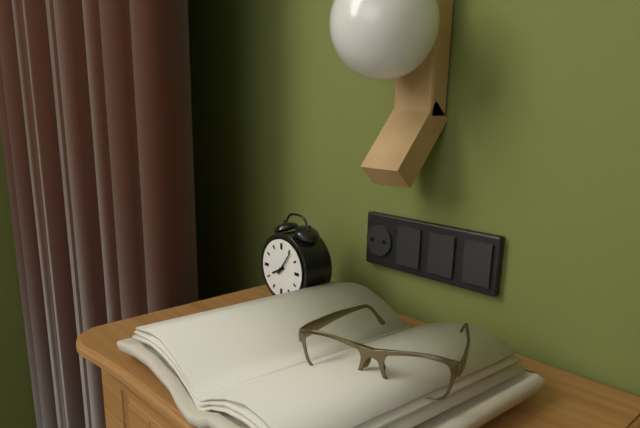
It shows 8,06
